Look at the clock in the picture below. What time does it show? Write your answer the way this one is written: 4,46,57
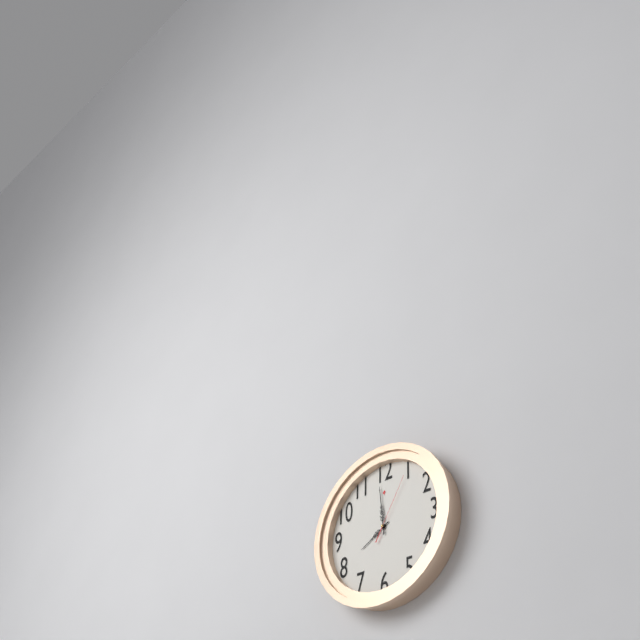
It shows 7,59,05
